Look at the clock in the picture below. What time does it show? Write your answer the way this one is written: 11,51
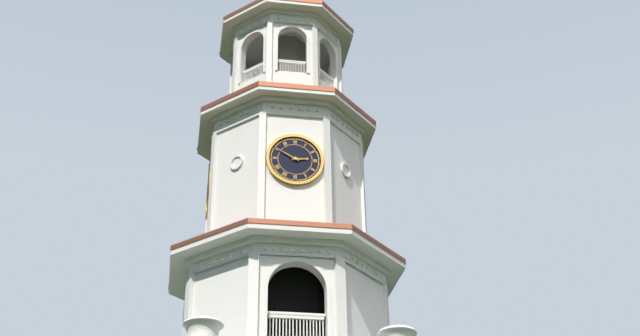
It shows 2,50
